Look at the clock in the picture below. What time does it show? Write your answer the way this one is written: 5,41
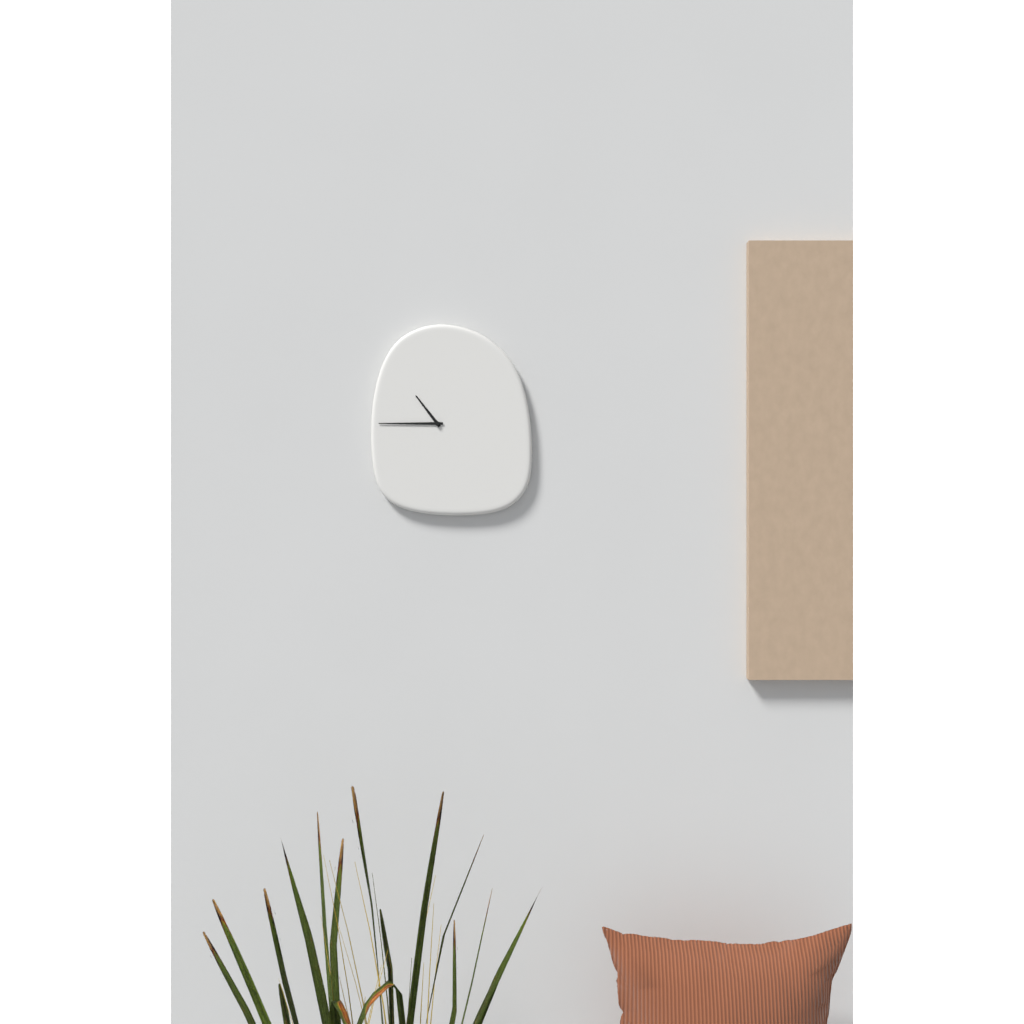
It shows 10,45
